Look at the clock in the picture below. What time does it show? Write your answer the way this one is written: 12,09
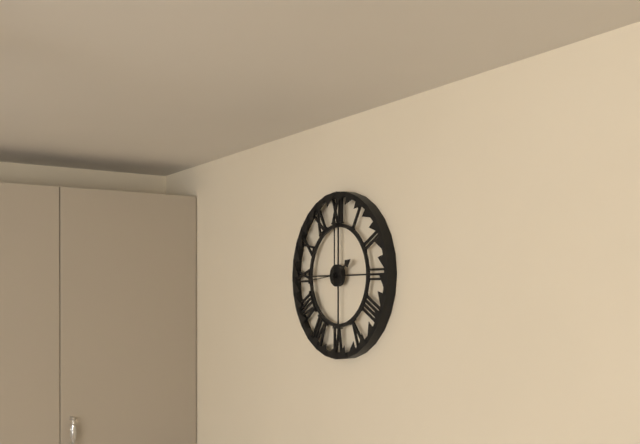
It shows 2,00
